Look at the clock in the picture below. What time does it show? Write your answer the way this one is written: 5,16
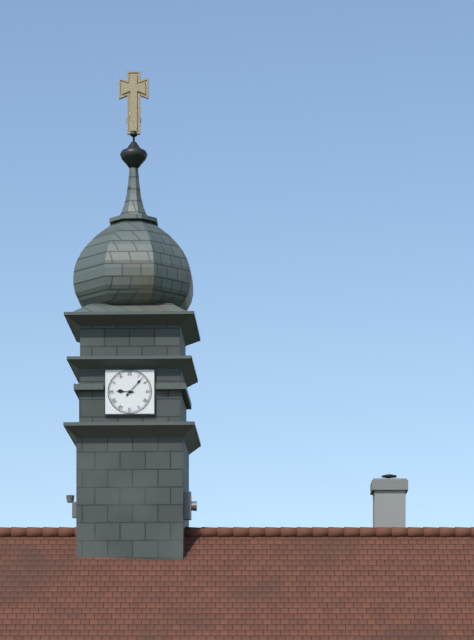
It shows 9,07
